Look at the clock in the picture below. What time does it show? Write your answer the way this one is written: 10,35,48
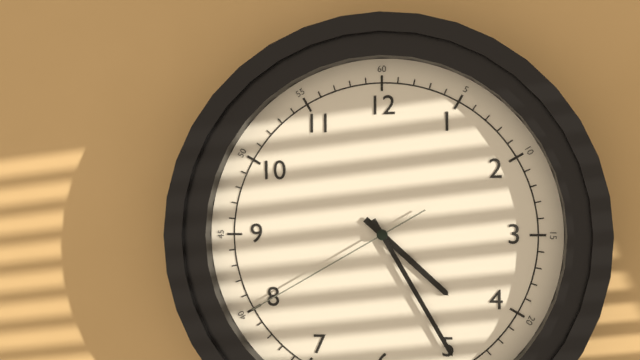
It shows 4,25,40
